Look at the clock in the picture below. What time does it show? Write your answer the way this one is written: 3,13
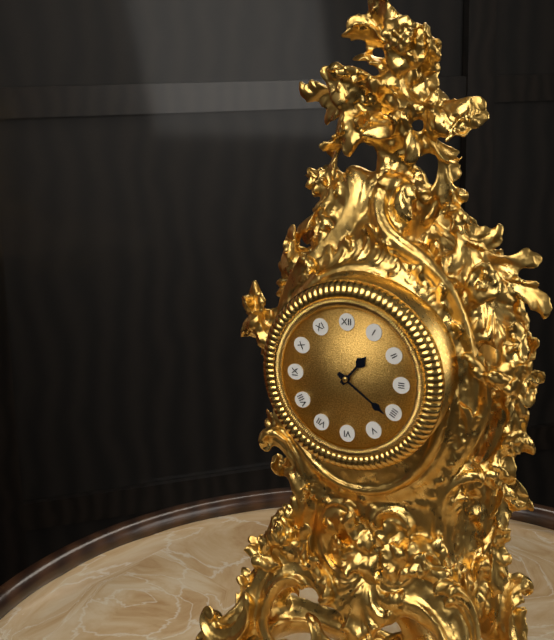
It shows 1,21
